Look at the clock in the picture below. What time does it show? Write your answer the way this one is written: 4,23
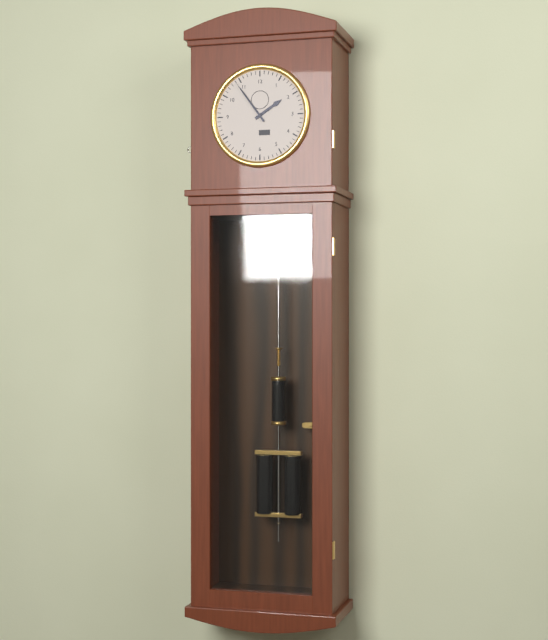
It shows 1,54
